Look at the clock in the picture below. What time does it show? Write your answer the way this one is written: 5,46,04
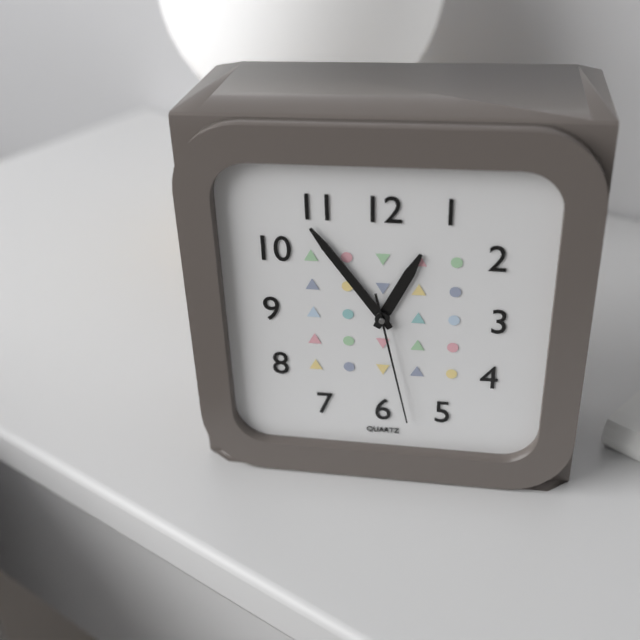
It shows 12,54,28
